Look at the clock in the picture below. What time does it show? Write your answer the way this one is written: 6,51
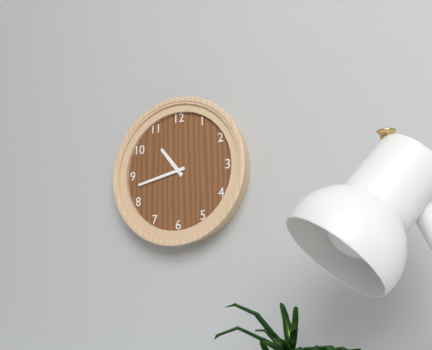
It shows 10,43
